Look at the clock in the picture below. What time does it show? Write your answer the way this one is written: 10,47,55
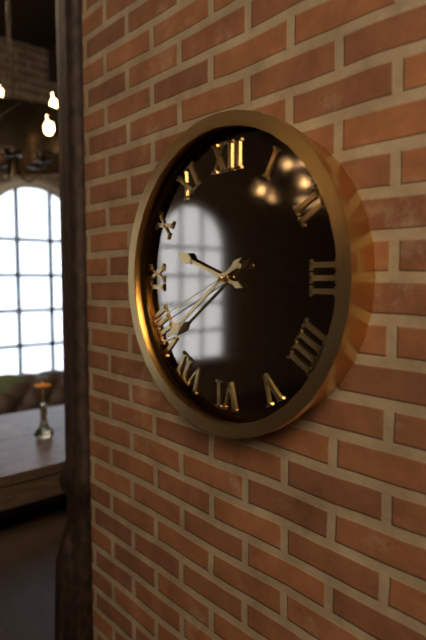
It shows 9,39,41
